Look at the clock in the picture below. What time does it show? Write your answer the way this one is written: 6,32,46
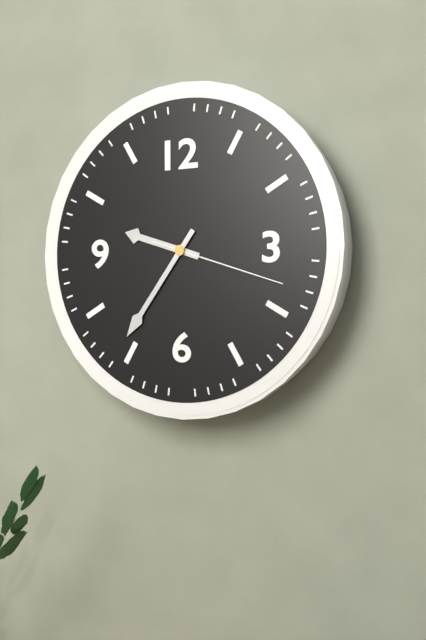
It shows 9,36,18
